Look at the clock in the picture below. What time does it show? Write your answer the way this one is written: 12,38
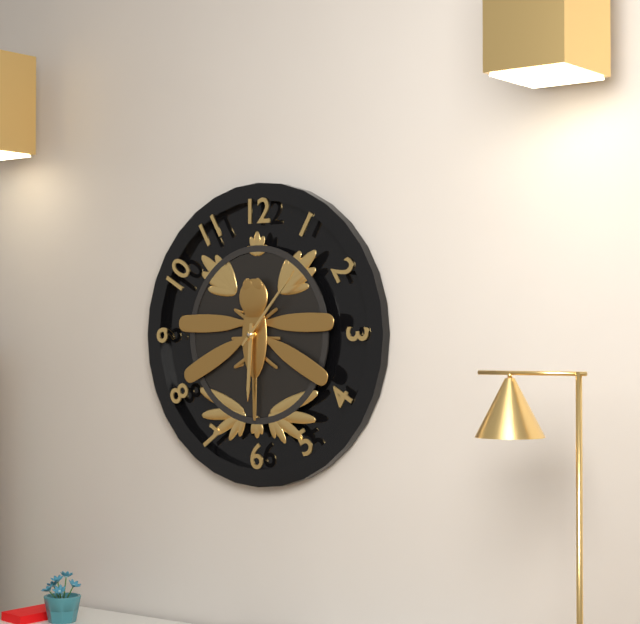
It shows 6,07
